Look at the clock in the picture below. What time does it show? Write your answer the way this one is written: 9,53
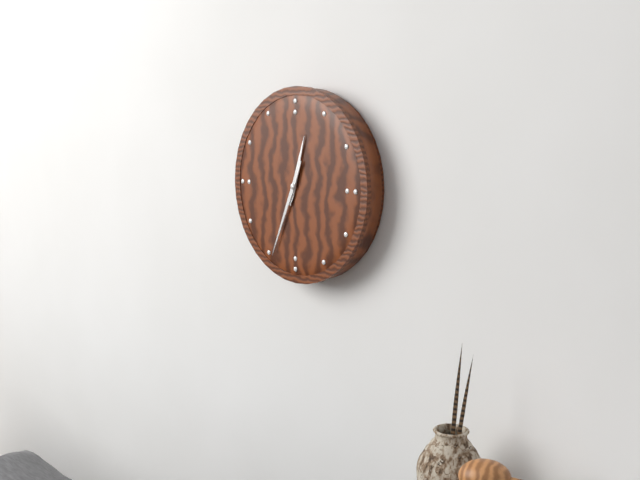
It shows 12,34
